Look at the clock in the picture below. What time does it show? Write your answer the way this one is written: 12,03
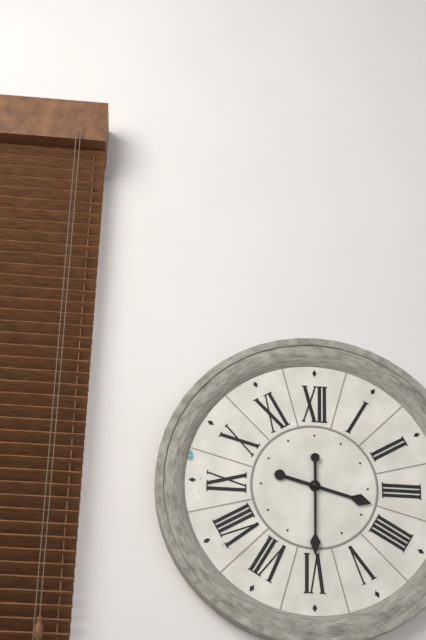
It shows 3,30
